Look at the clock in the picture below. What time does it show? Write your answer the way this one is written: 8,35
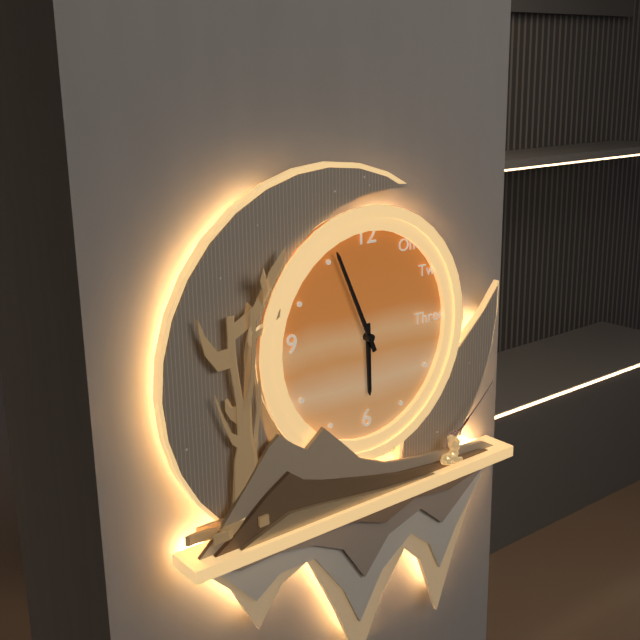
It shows 5,56
